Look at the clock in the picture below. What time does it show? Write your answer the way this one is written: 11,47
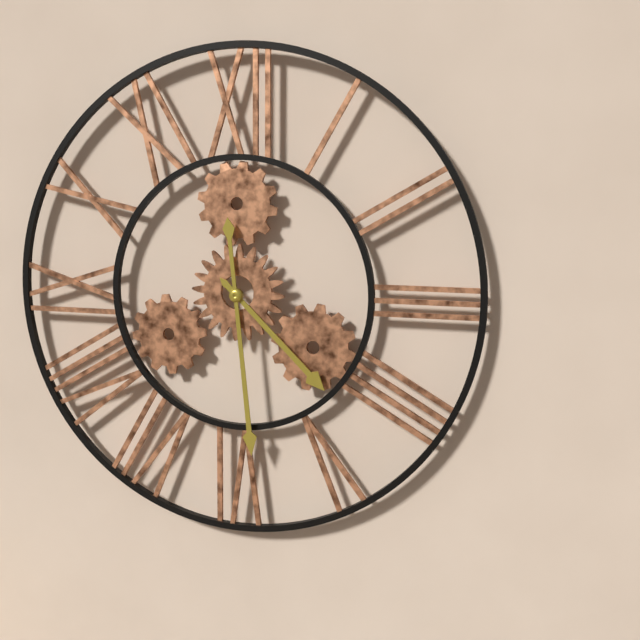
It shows 4,29
